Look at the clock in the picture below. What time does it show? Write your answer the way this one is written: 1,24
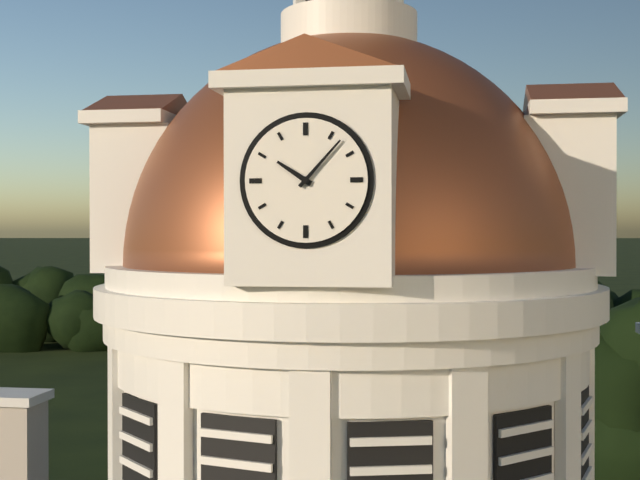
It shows 10,07
